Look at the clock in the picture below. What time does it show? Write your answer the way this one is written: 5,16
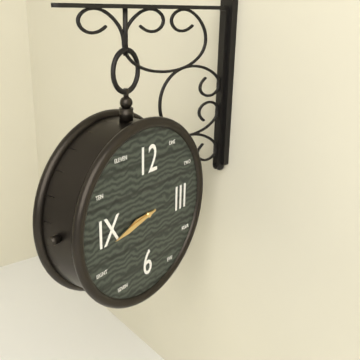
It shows 8,43
